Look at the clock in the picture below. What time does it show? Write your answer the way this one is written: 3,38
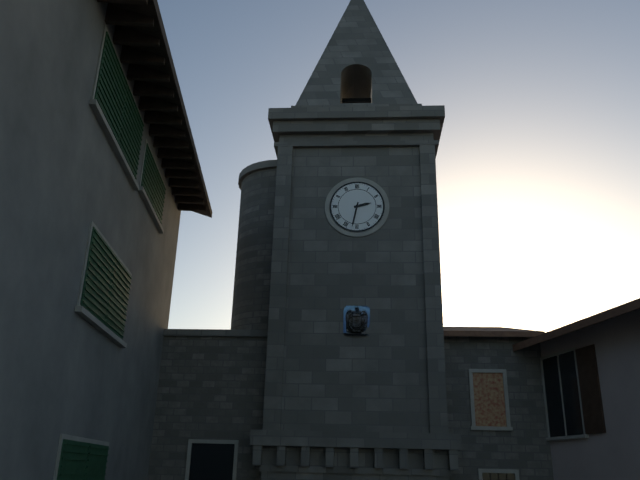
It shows 2,32
